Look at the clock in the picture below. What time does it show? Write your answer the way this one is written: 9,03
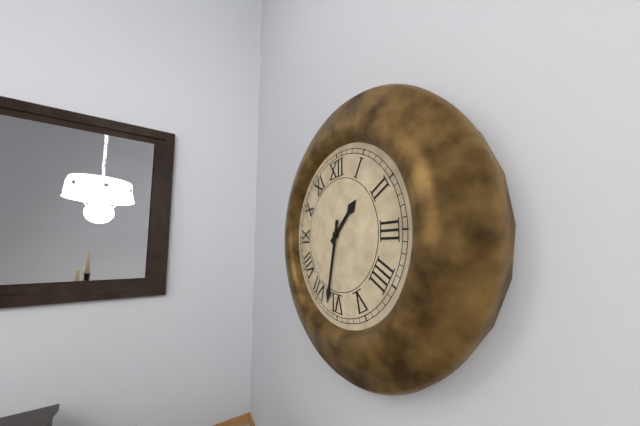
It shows 1,32
